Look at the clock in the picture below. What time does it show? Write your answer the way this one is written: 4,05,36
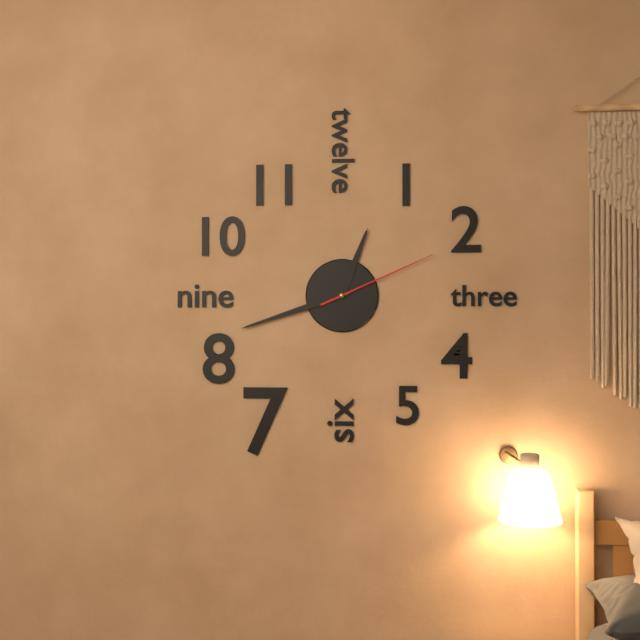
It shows 12,42,11
